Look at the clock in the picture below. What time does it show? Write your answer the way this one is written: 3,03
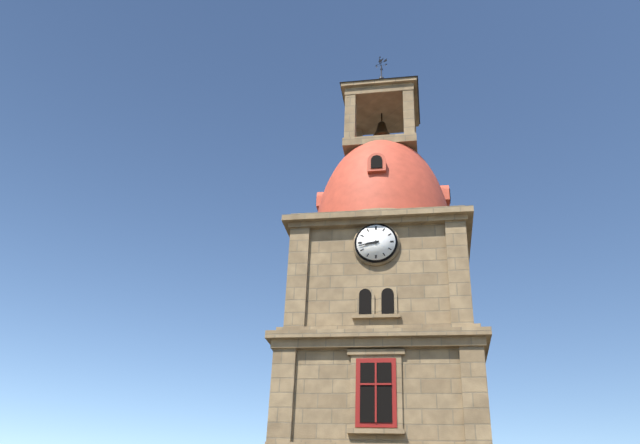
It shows 8,43
